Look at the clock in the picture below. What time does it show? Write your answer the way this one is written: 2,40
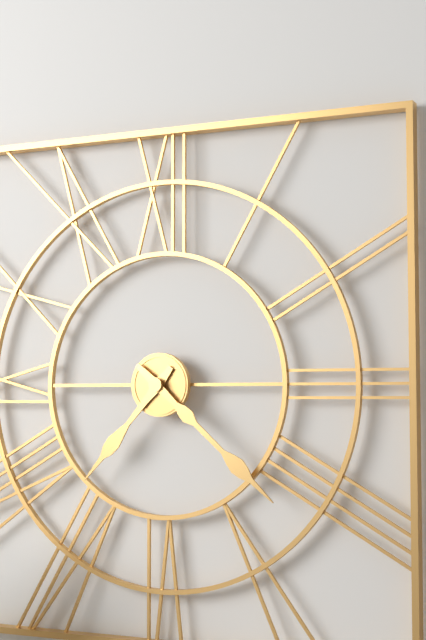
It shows 7,22
